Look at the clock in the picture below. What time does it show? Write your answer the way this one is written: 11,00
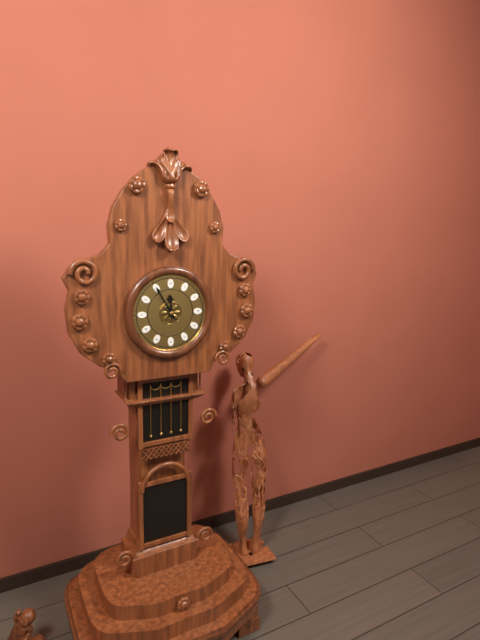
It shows 11,55
